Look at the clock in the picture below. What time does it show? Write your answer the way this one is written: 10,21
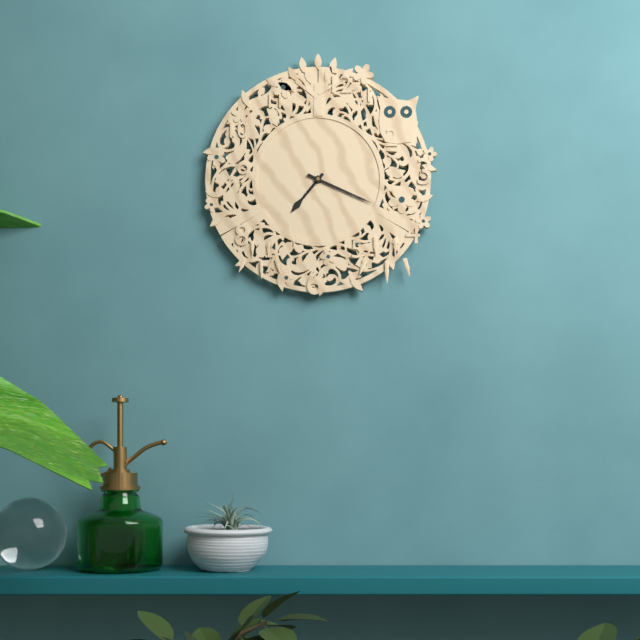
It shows 7,19
